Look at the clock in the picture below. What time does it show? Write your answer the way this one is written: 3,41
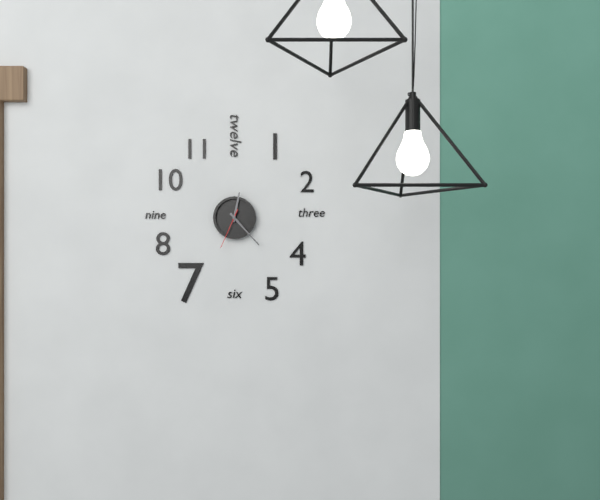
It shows 12,23
